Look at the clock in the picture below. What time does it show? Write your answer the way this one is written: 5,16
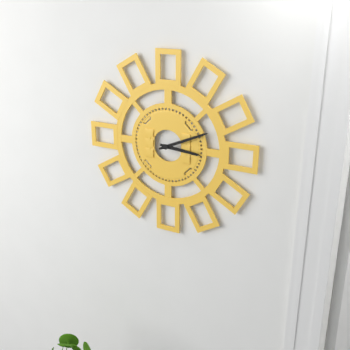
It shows 3,11
